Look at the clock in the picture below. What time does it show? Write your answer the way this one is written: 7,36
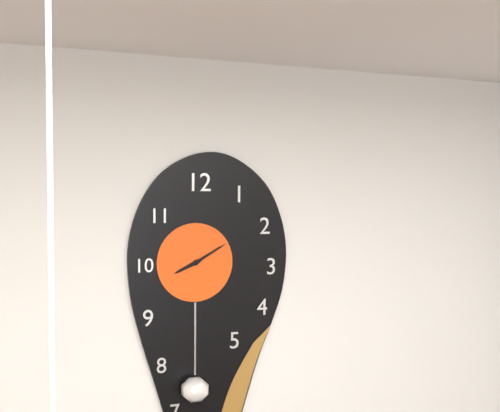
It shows 8,10
